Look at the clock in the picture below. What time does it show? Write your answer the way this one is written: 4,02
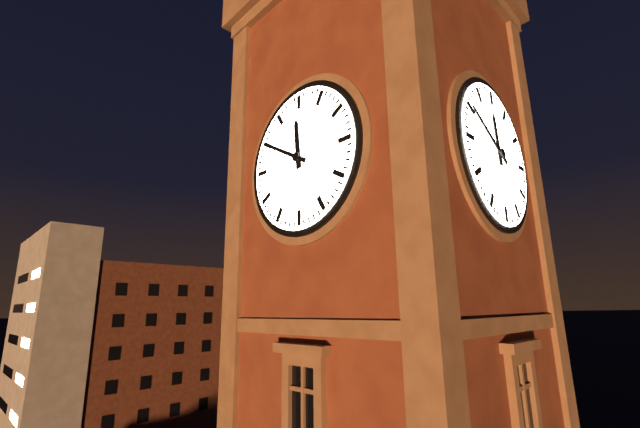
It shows 11,50
